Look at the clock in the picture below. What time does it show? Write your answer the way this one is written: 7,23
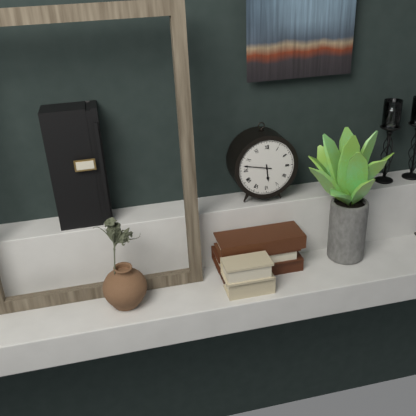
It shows 5,47
